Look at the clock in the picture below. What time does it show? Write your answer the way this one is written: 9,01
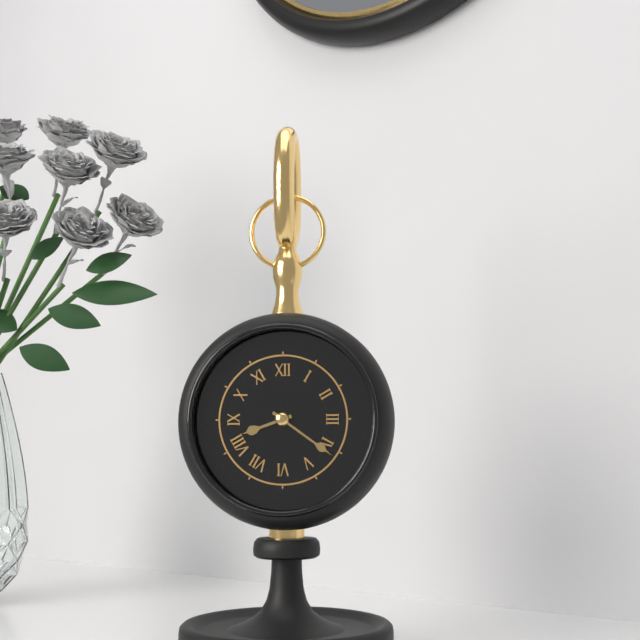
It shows 8,21
